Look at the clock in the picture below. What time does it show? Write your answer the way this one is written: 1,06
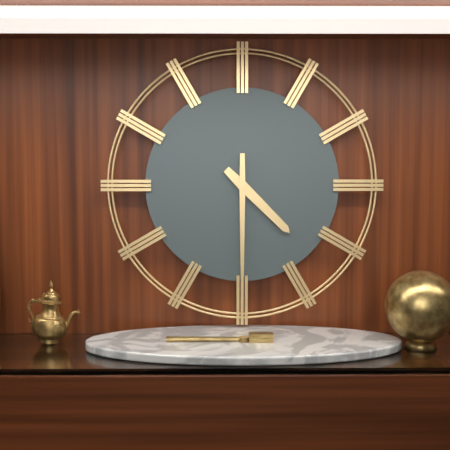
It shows 4,30
